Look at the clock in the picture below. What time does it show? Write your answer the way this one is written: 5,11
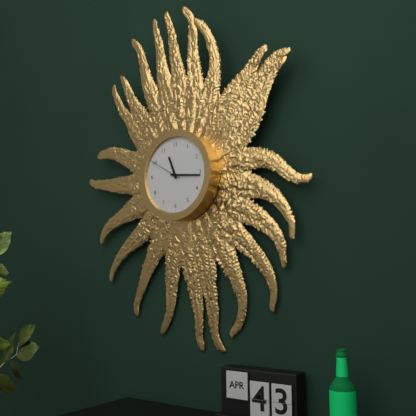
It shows 11,16
